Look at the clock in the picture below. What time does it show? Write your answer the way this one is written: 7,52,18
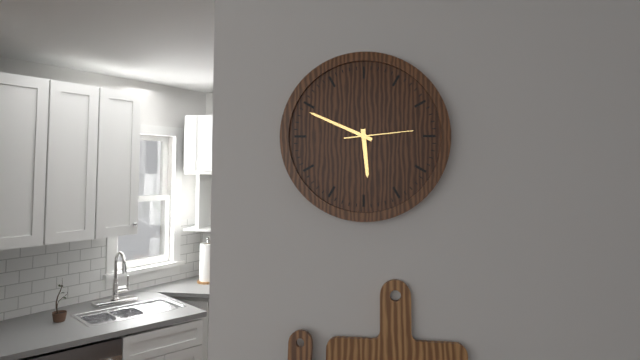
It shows 5,49,14
